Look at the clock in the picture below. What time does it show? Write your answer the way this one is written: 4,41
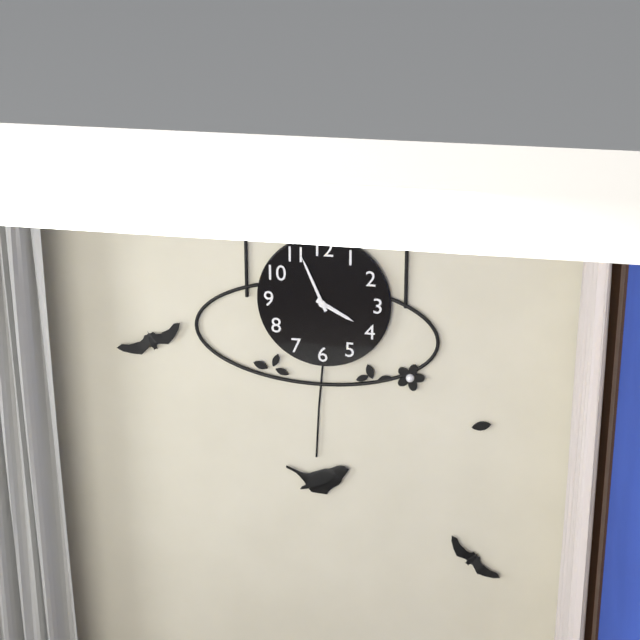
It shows 3,56
